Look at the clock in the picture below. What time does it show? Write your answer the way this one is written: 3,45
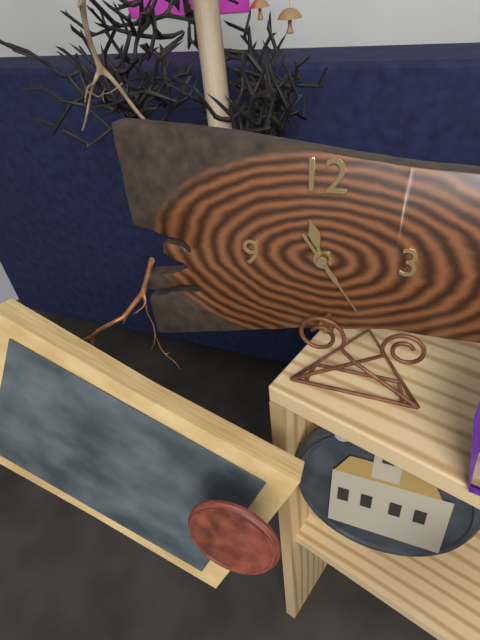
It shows 11,24
